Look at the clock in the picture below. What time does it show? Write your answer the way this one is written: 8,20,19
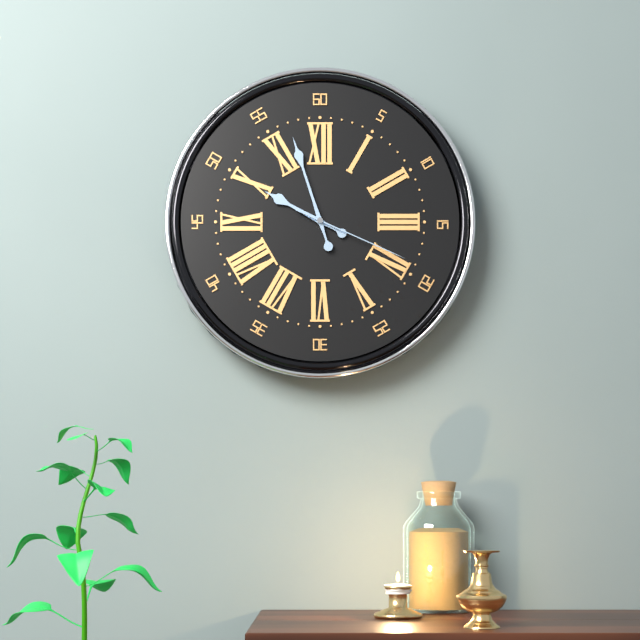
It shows 9,57,19
